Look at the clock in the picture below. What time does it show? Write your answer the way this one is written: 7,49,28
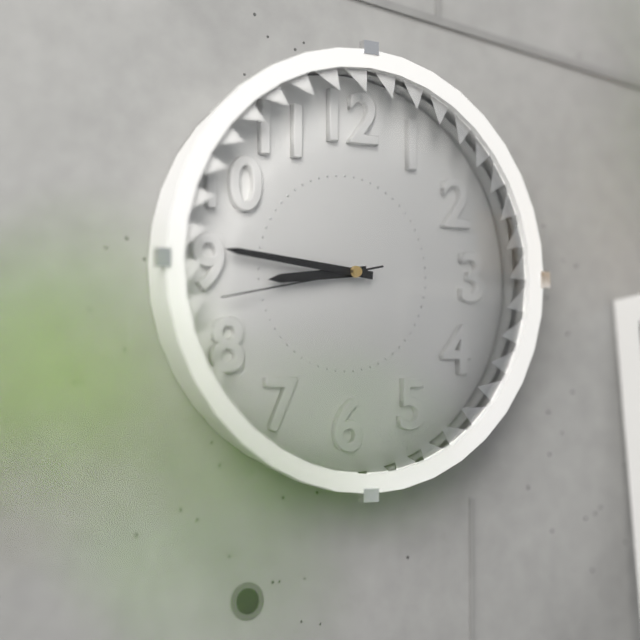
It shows 8,46,43
